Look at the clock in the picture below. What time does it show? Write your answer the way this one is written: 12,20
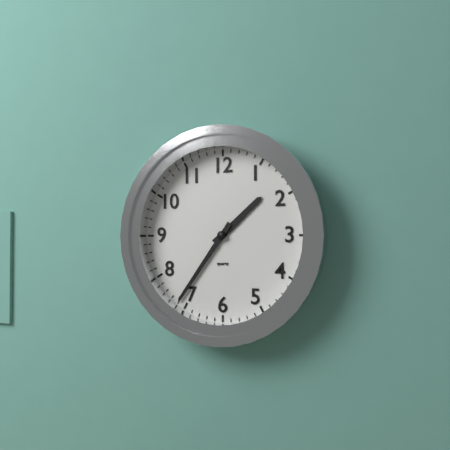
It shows 1,36
